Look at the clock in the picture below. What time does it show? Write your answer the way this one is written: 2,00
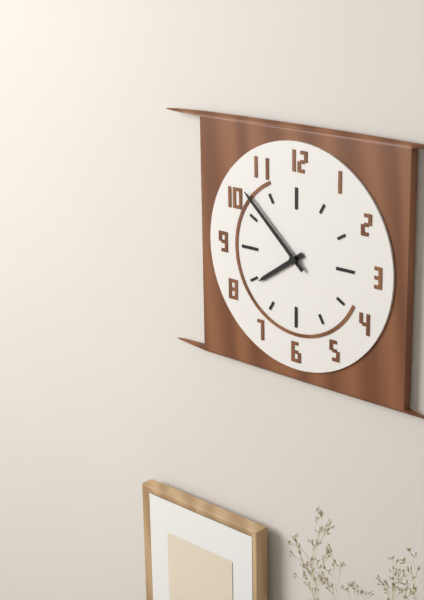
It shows 7,52
